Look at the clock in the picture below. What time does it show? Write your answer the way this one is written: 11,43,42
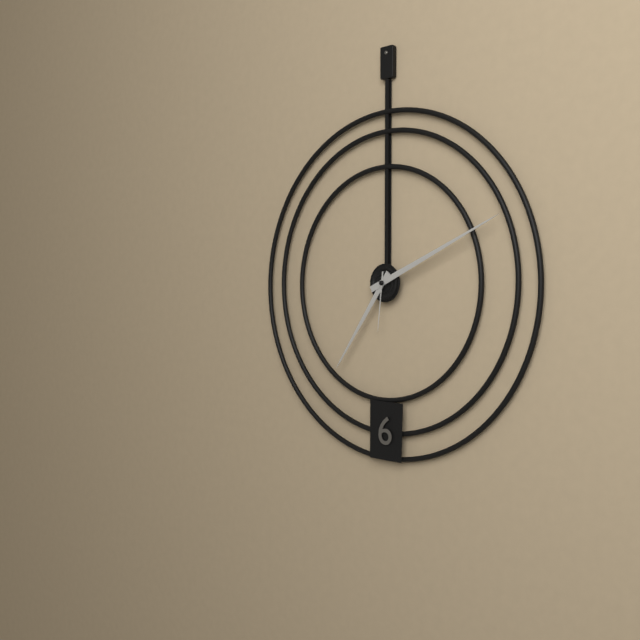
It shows 7,11,31
